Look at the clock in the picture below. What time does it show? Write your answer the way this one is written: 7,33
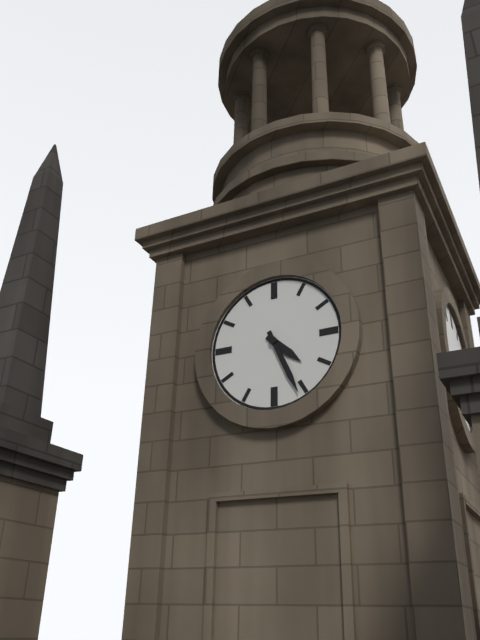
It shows 4,26
